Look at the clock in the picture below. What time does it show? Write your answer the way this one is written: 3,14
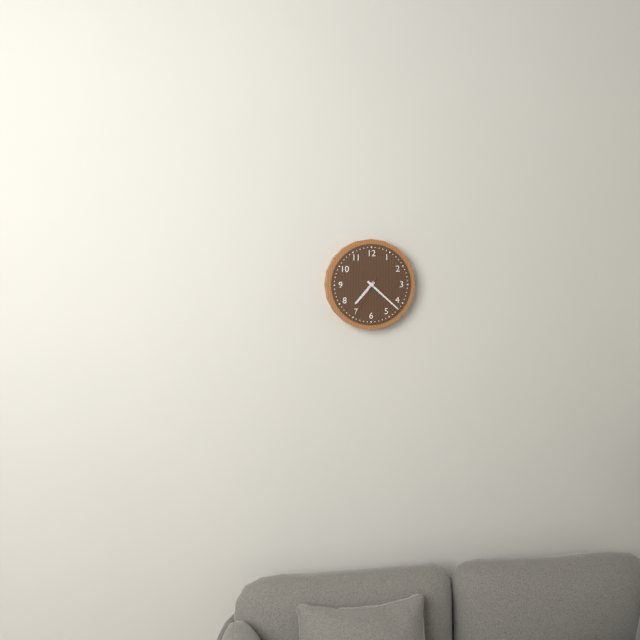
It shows 7,22
